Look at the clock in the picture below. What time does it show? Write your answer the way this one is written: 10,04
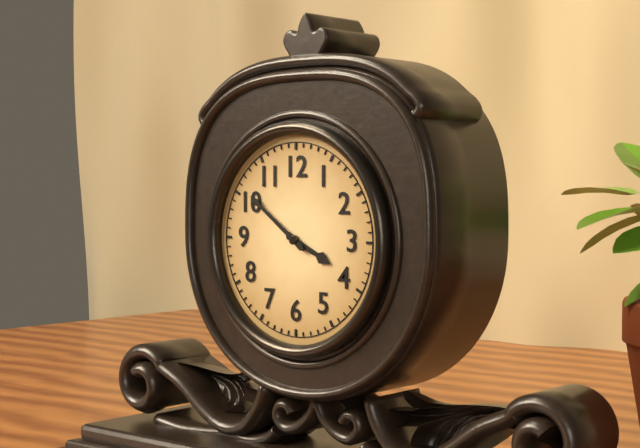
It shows 3,51
